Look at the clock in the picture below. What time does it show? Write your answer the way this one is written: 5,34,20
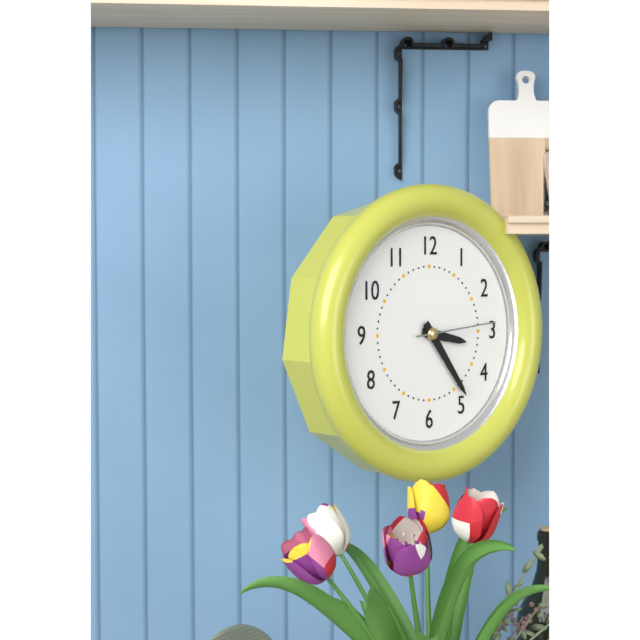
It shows 3,24,14
